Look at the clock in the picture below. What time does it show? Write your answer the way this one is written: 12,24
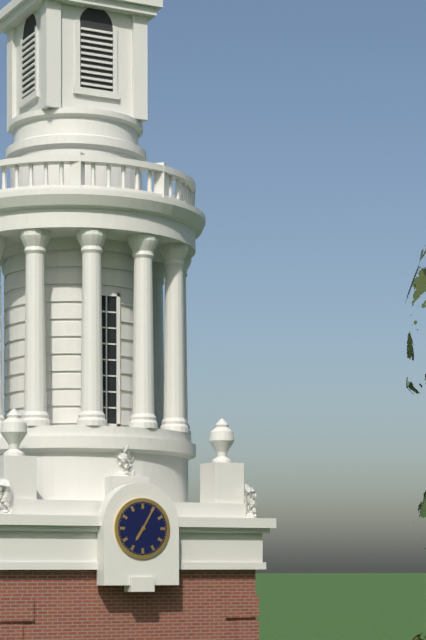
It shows 7,05
